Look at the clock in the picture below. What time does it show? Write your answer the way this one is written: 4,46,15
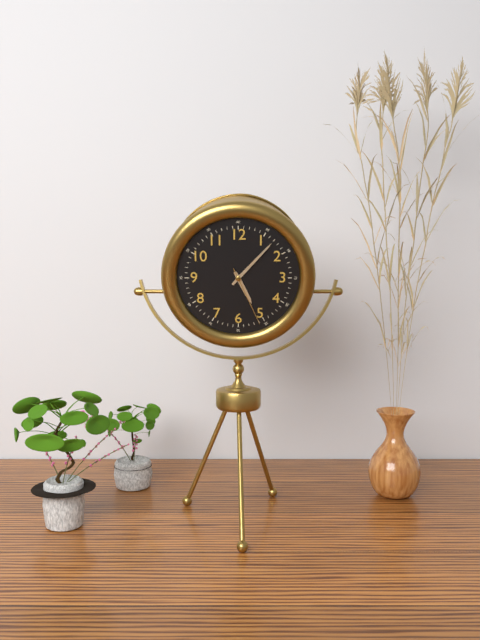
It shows 5,07,26
